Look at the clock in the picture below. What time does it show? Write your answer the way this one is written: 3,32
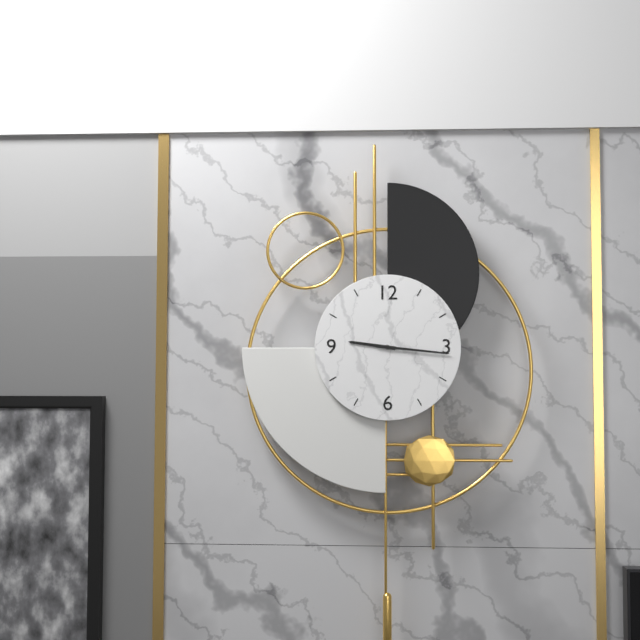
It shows 9,16
